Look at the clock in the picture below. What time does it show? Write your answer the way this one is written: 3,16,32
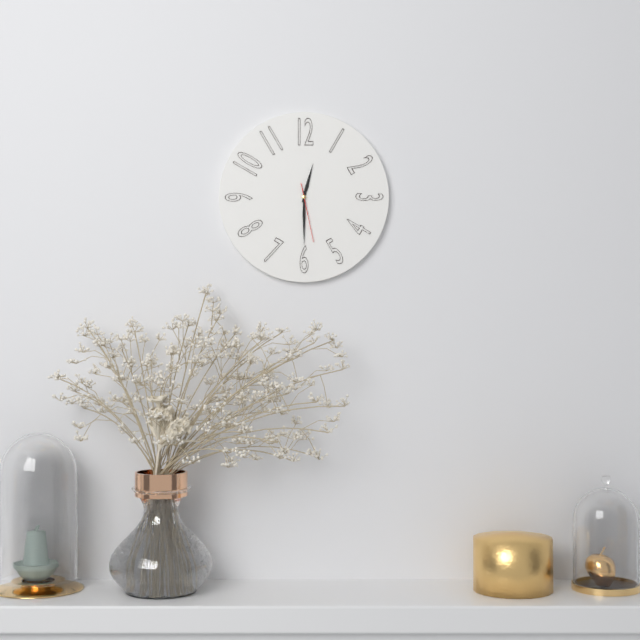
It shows 12,30,28
